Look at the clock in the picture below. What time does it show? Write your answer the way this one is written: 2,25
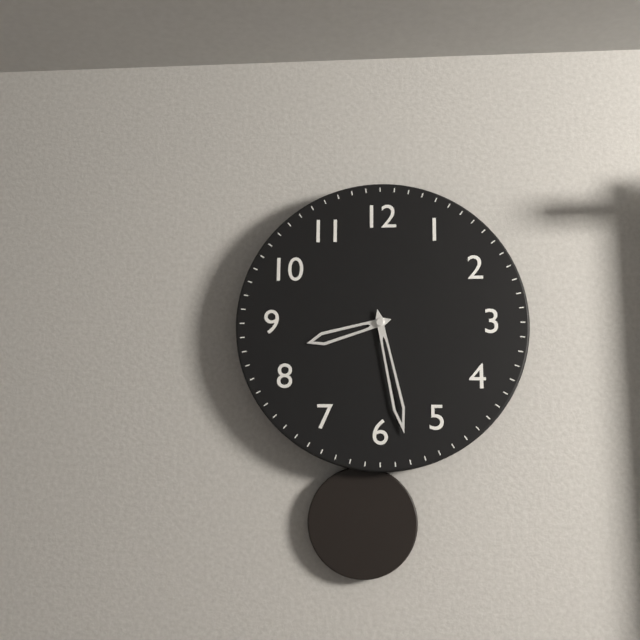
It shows 8,28
